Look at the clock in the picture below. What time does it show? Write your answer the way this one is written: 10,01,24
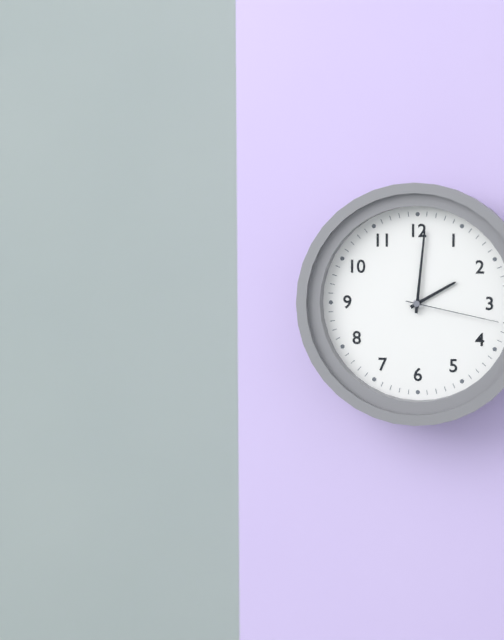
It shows 2,01,17
